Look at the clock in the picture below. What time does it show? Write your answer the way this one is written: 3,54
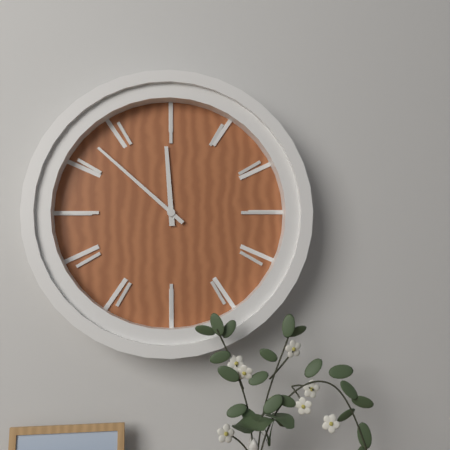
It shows 11,52
